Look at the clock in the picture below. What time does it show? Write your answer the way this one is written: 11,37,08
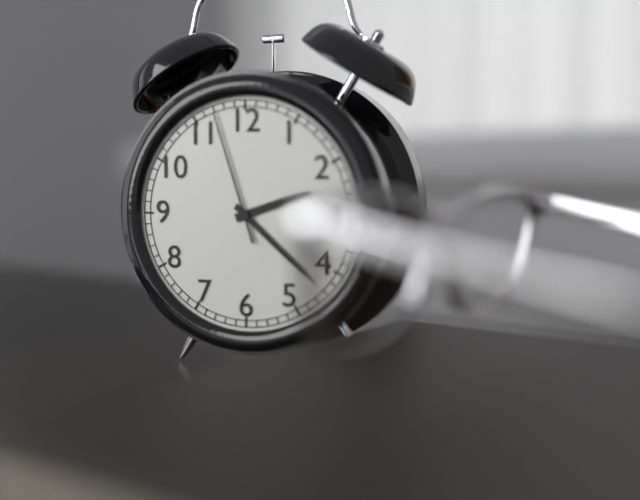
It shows 2,22,57
